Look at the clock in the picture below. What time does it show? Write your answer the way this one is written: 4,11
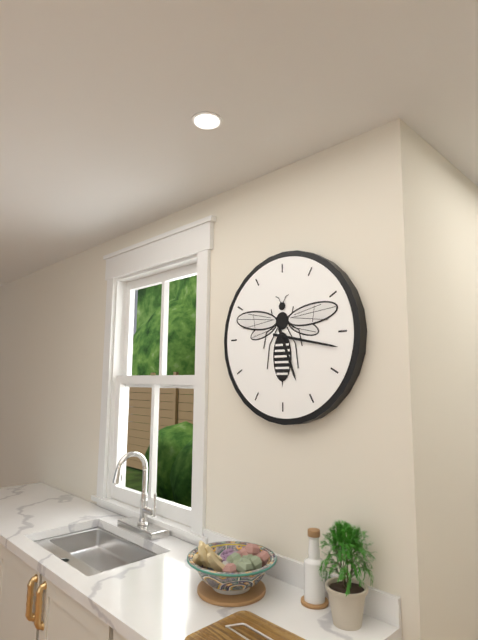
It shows 5,17
